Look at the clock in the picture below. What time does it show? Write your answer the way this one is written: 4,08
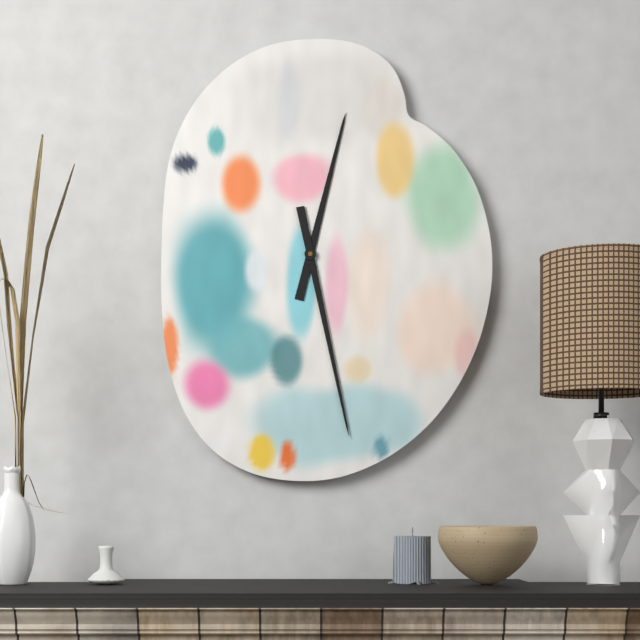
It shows 12,28
